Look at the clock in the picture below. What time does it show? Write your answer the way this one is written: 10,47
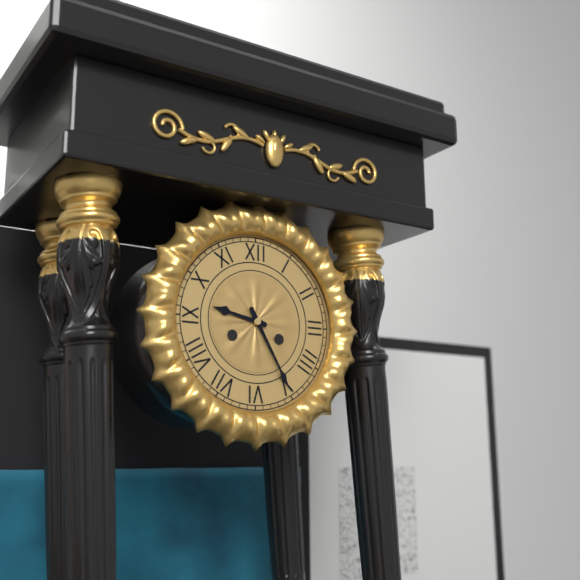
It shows 9,25
